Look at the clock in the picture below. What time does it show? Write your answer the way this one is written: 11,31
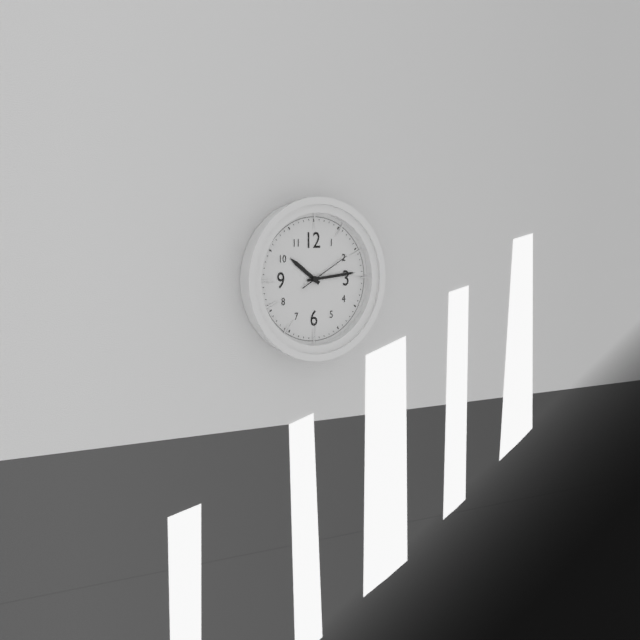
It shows 10,14
